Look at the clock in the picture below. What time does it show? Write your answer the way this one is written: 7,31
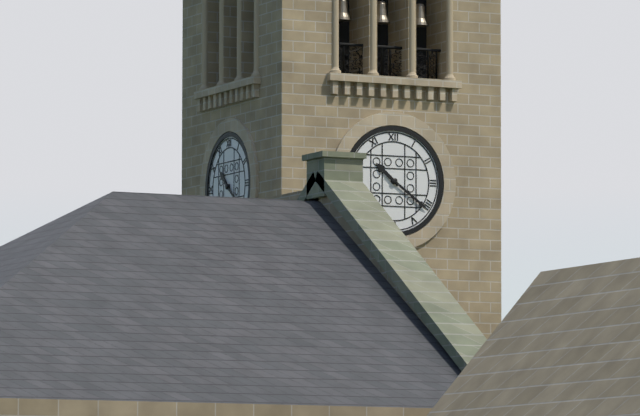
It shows 10,21
